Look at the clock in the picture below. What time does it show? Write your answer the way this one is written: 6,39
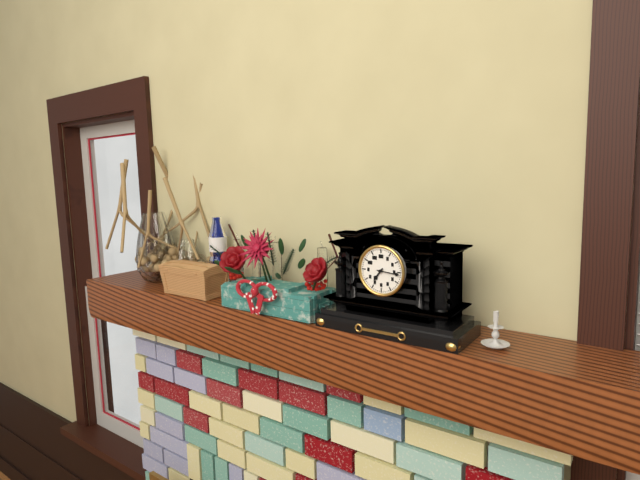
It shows 7,16
